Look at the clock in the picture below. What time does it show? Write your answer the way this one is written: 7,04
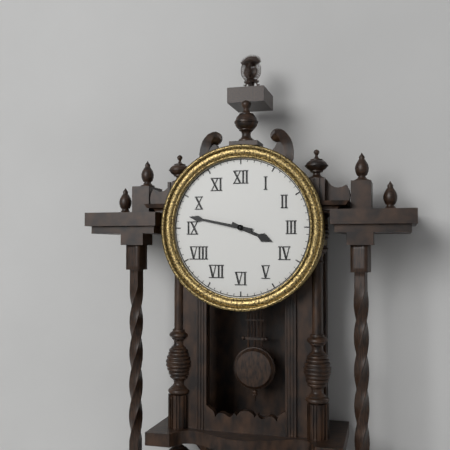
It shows 3,47
